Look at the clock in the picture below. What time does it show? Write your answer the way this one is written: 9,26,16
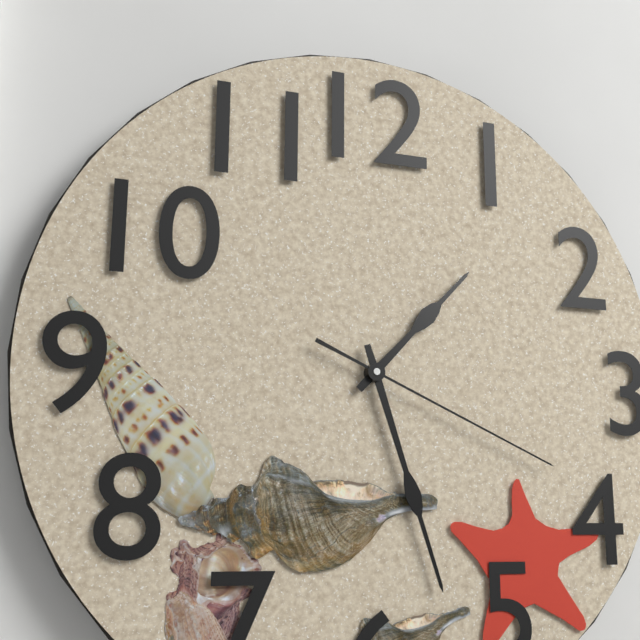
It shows 1,27,19
